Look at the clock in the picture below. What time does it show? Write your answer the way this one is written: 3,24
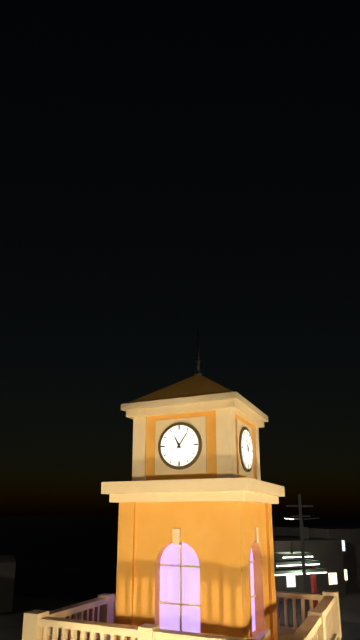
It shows 11,06
